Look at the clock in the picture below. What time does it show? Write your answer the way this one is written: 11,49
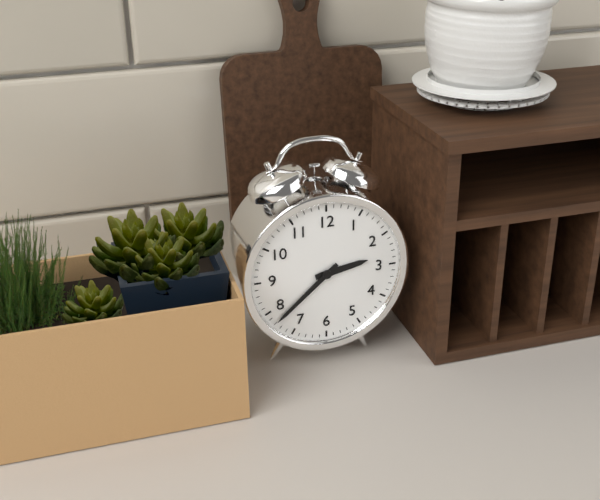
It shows 2,38
